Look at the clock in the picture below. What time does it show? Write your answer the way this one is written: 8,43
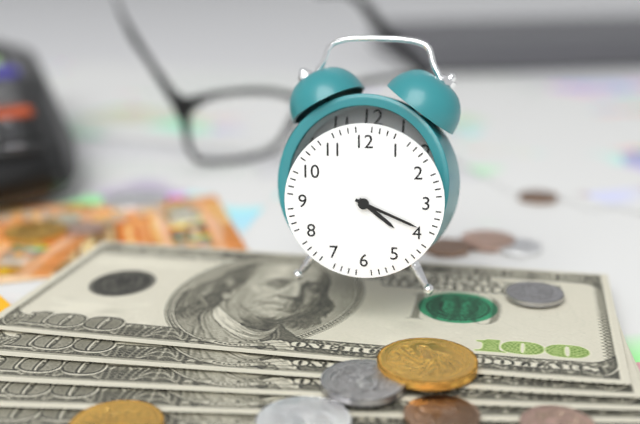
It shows 4,19
